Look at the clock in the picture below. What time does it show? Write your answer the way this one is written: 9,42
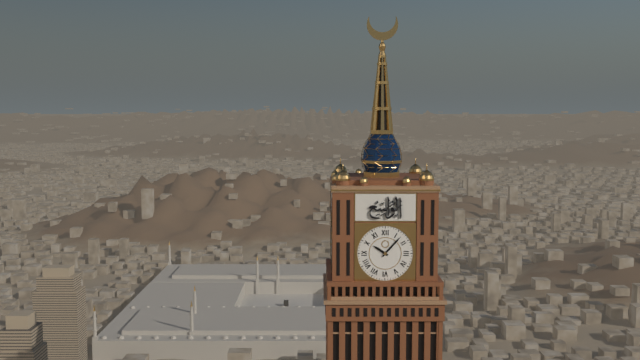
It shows 10,07
